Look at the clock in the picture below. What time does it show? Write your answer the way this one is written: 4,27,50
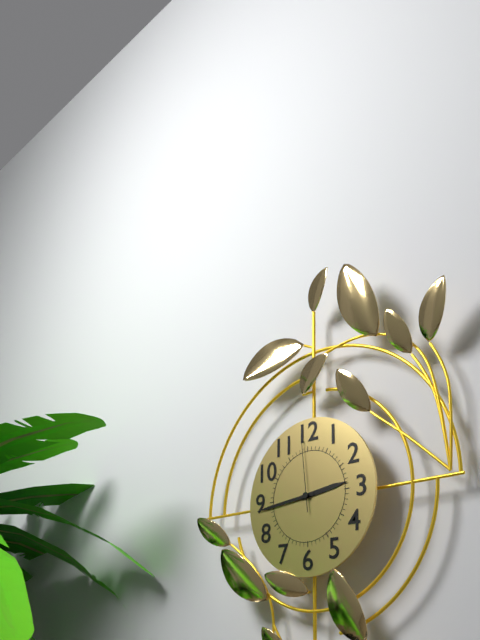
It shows 2,44,59
